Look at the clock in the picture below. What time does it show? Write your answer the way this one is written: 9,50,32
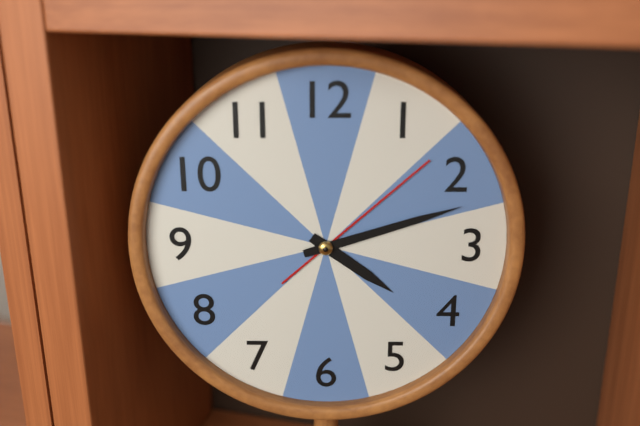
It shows 4,12,08
